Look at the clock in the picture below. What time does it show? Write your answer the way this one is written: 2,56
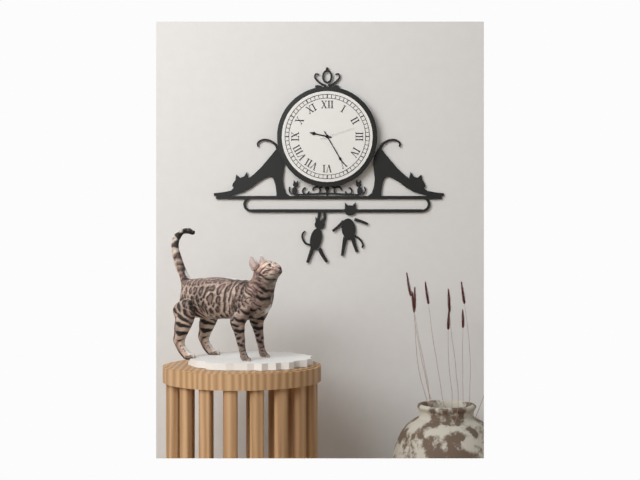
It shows 9,25
